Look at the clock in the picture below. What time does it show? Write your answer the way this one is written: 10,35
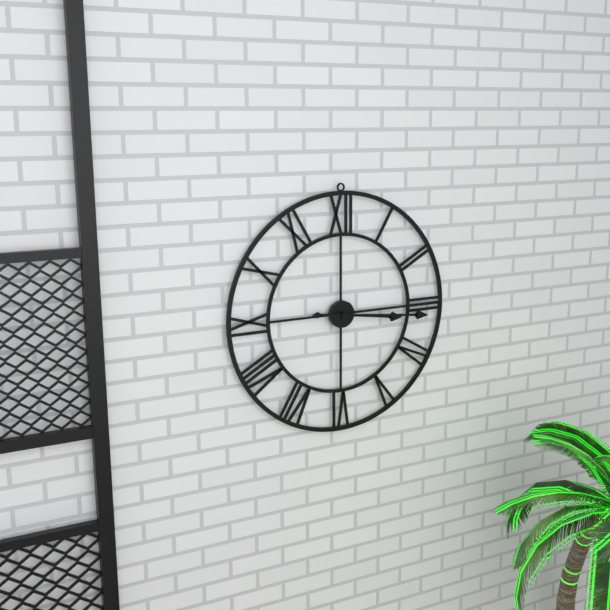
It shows 3,16
